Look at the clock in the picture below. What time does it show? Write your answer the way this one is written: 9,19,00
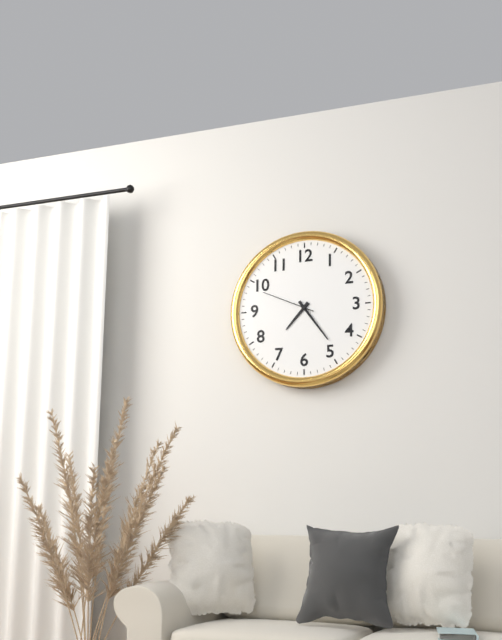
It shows 7,24,49
